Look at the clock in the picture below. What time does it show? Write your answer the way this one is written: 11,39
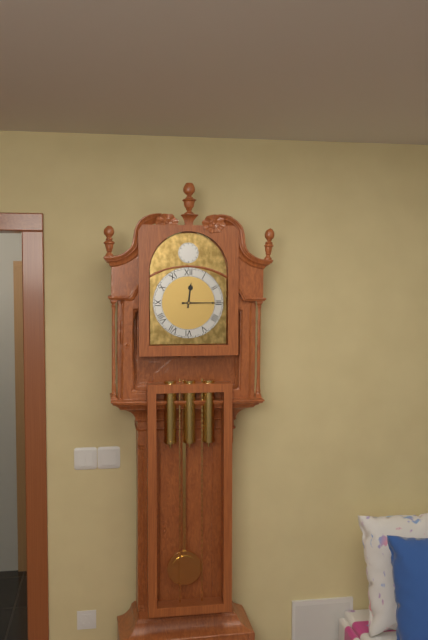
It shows 12,15
